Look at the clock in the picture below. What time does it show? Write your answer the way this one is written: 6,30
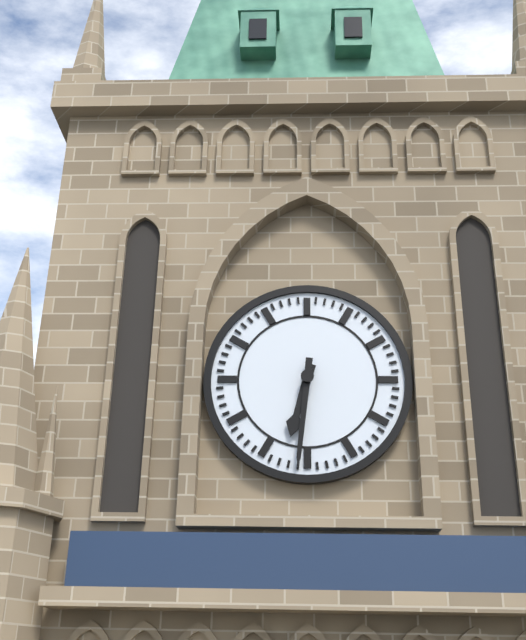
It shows 6,31
